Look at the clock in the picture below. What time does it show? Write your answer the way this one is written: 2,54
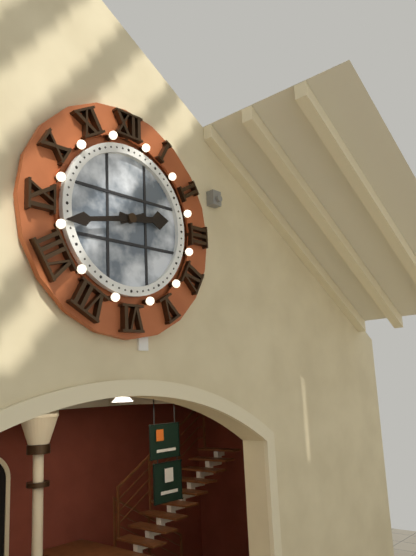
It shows 2,43
